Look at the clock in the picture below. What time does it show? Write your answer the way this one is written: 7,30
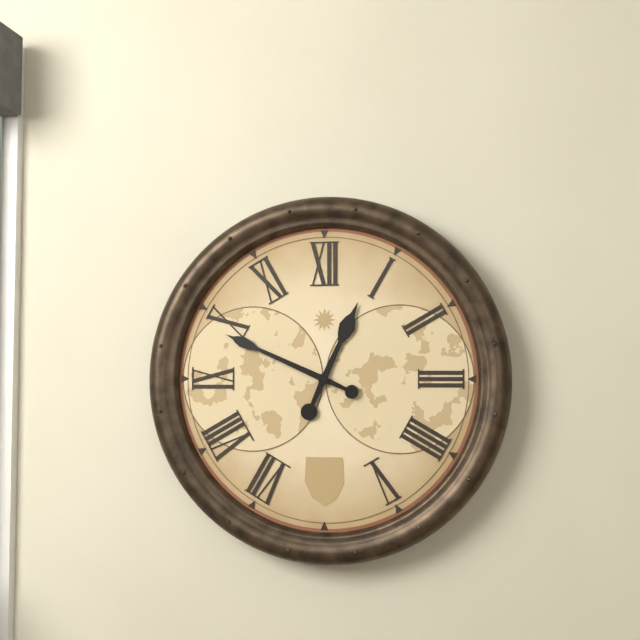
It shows 12,49
